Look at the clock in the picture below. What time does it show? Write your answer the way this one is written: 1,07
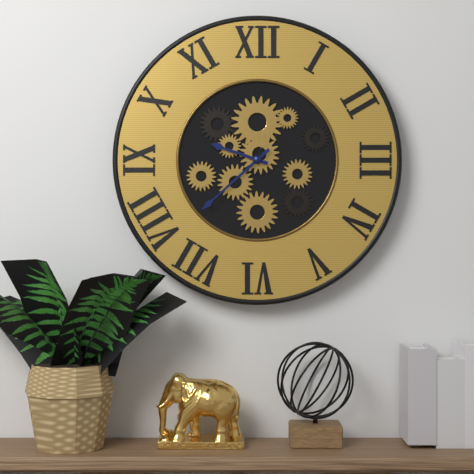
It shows 9,38
